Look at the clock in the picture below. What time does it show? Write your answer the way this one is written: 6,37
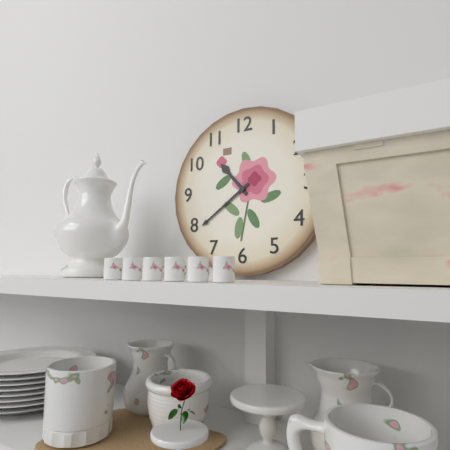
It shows 10,39
